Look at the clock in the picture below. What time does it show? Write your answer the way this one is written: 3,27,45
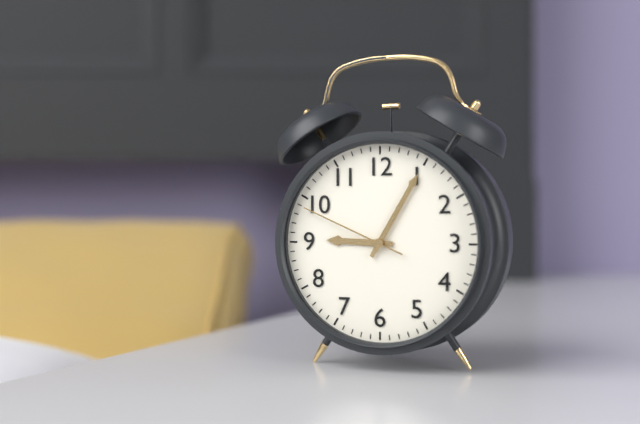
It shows 9,05,49
